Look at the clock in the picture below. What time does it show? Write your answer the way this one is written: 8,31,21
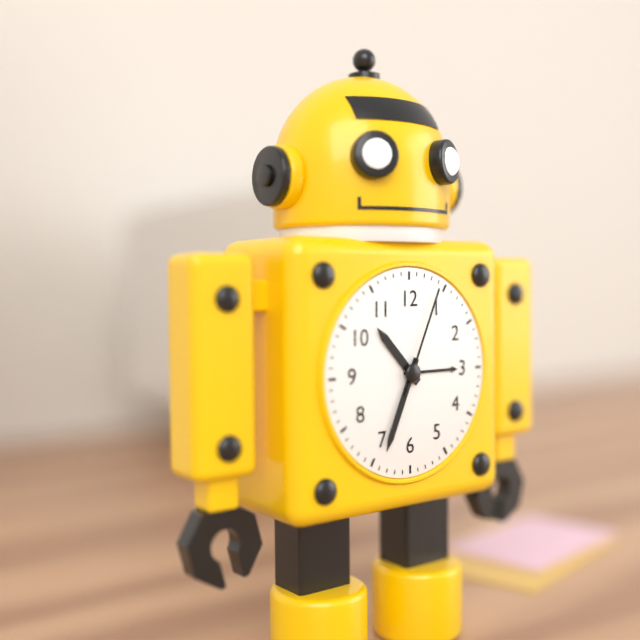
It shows 10,34,04
